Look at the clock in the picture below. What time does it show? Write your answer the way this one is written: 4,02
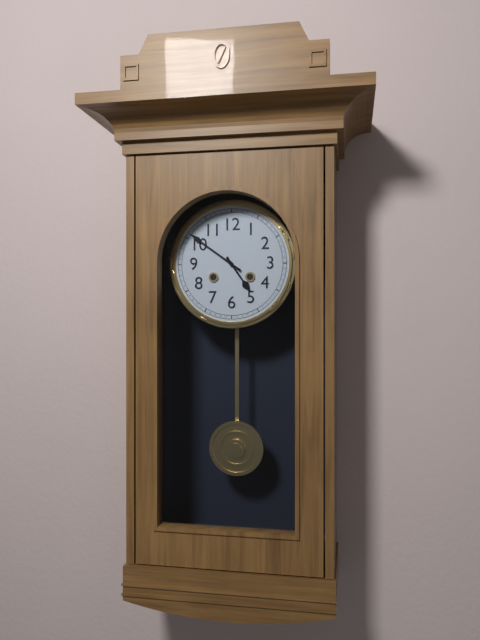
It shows 4,51
